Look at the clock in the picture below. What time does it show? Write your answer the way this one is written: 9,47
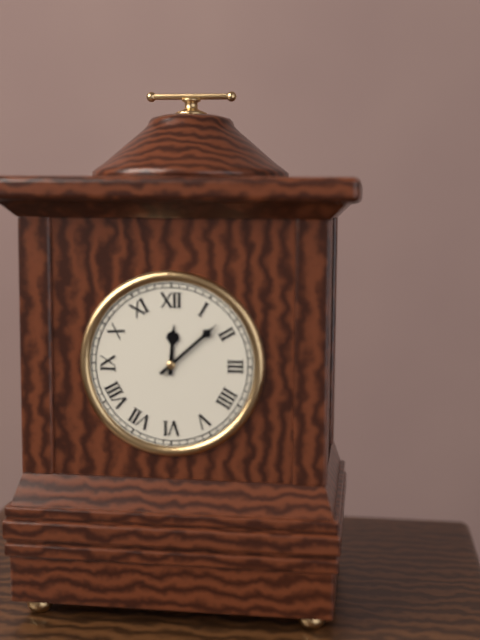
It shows 12,08
